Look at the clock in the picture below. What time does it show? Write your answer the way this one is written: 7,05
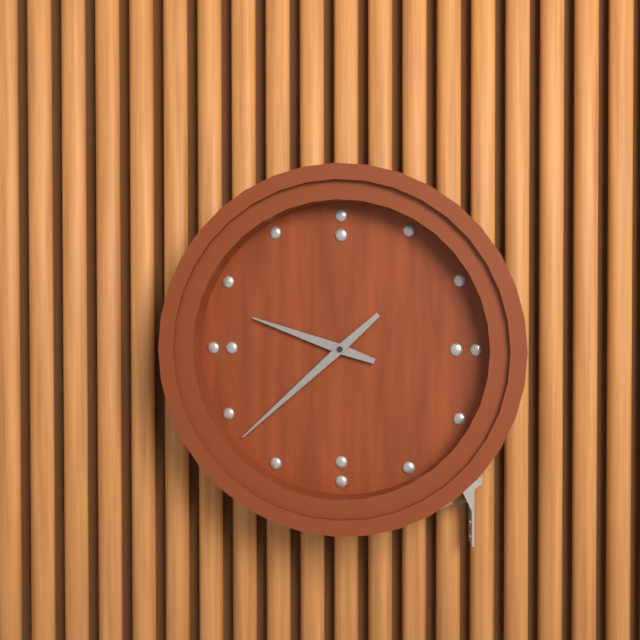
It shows 9,38
